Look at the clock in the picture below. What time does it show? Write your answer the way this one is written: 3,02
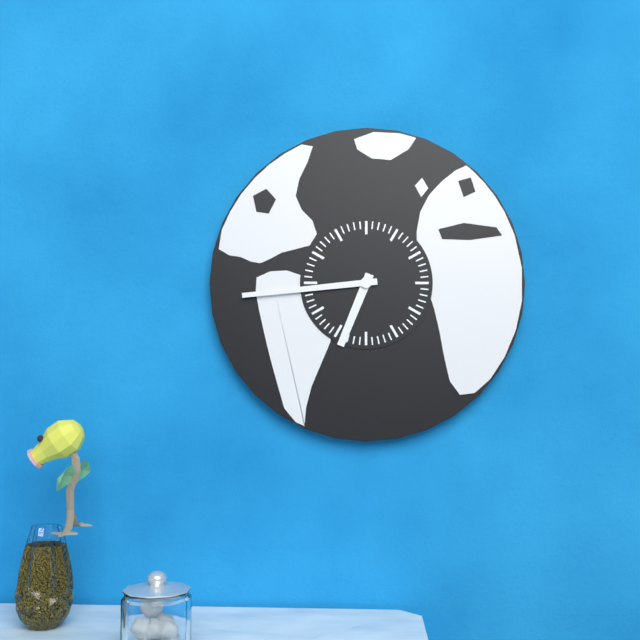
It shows 6,44
